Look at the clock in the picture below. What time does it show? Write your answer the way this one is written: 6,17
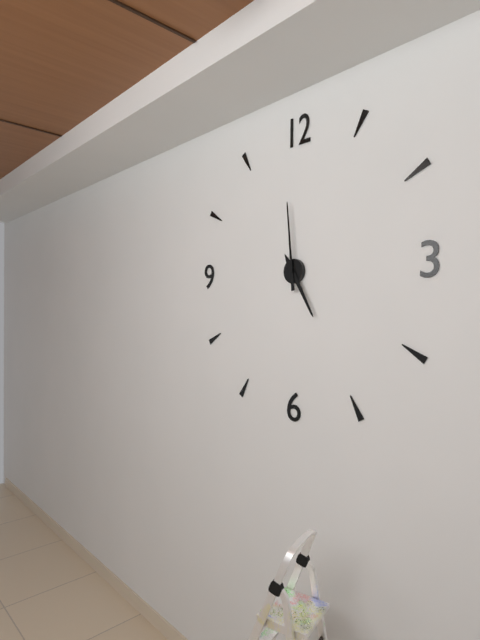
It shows 4,59
